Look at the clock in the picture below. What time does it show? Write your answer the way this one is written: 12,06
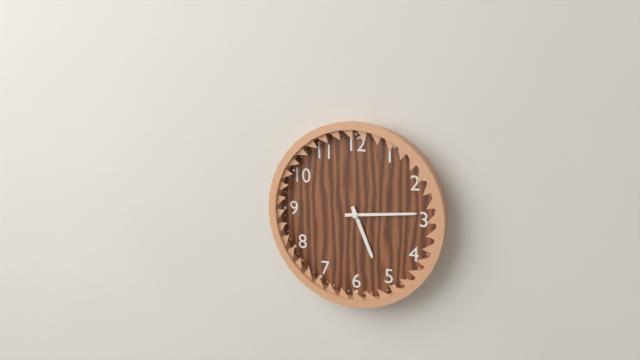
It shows 5,14
